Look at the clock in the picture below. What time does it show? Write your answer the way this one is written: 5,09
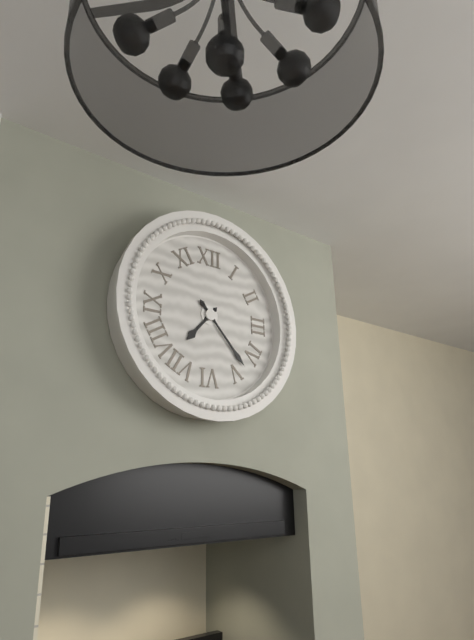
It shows 7,23
